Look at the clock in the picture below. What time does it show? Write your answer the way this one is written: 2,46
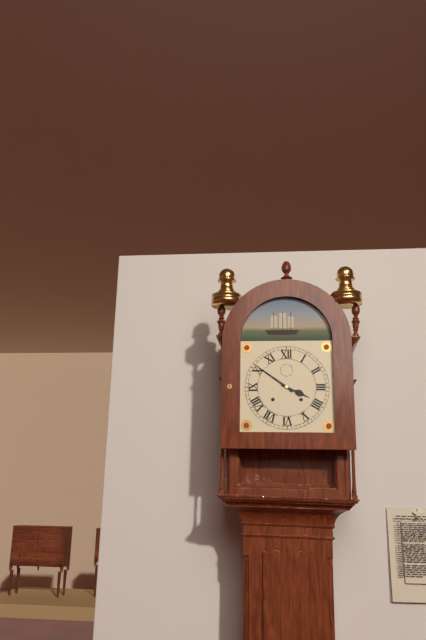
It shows 3,51
